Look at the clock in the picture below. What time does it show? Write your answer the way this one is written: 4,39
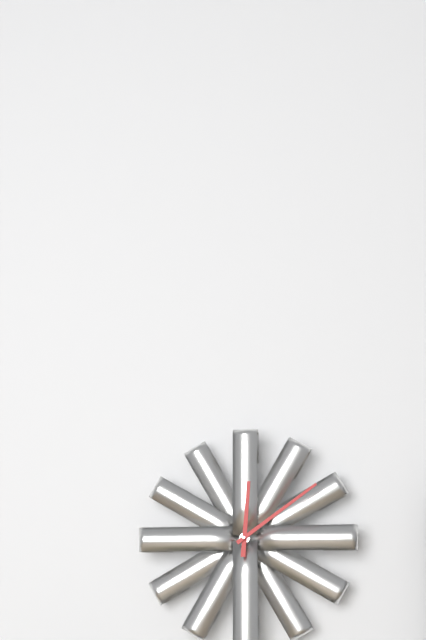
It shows 12,09
